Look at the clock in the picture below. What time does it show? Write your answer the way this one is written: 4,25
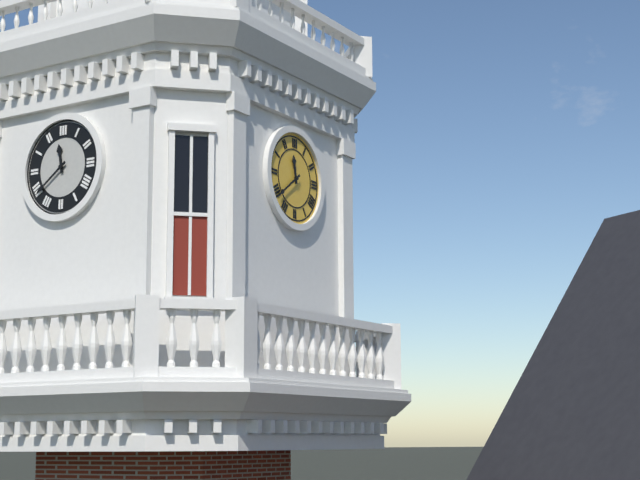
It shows 11,39
